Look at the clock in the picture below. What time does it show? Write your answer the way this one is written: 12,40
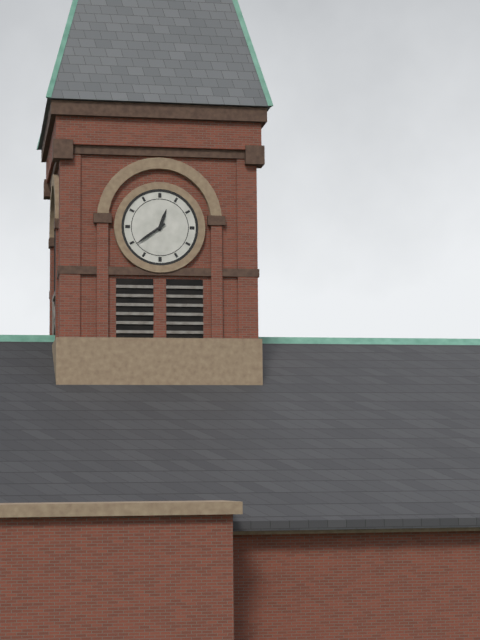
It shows 12,39
